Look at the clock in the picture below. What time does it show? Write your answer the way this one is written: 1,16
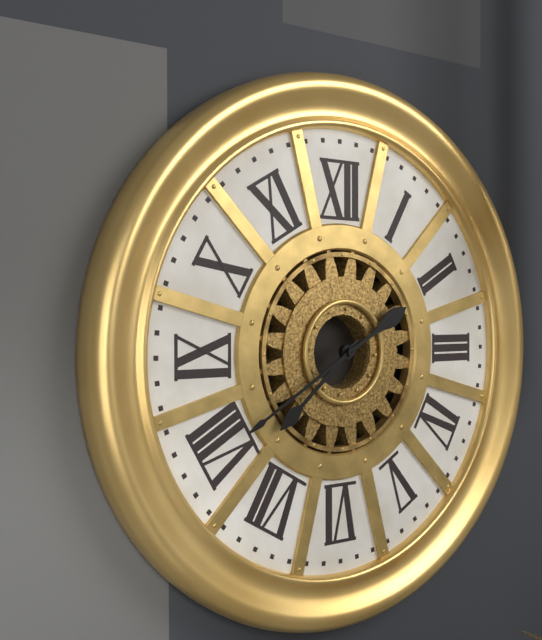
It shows 7,40
